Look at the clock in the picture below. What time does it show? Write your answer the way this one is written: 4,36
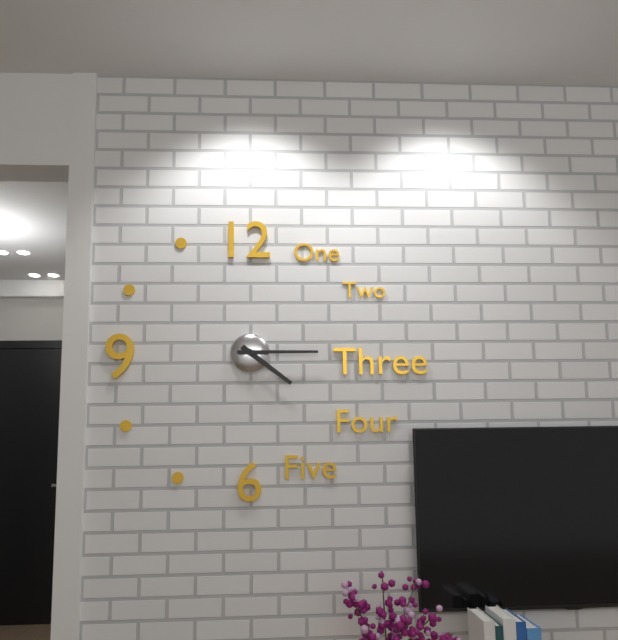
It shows 4,15
